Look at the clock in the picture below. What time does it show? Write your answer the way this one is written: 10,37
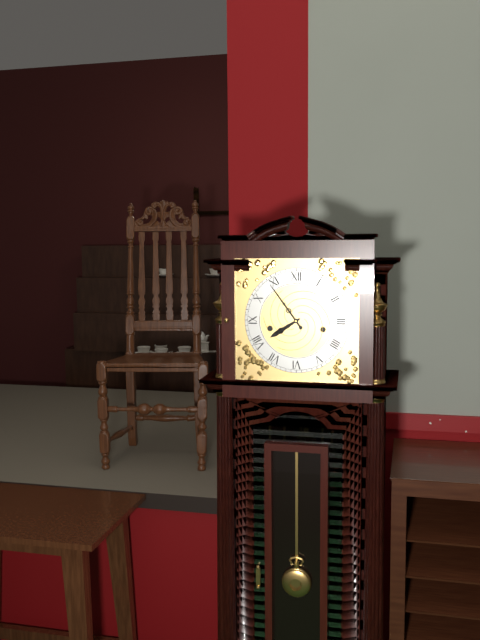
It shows 7,54
